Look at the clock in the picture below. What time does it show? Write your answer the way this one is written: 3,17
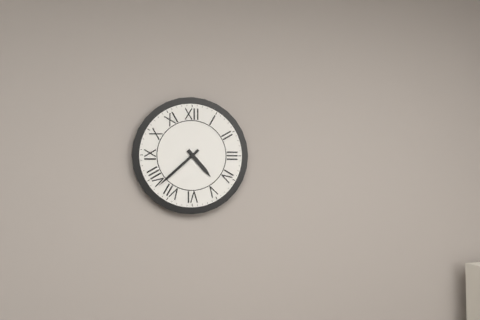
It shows 4,38
